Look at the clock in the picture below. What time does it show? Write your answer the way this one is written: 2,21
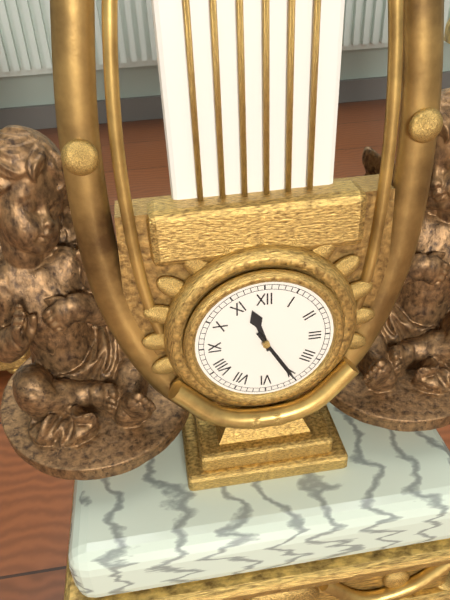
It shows 11,25
